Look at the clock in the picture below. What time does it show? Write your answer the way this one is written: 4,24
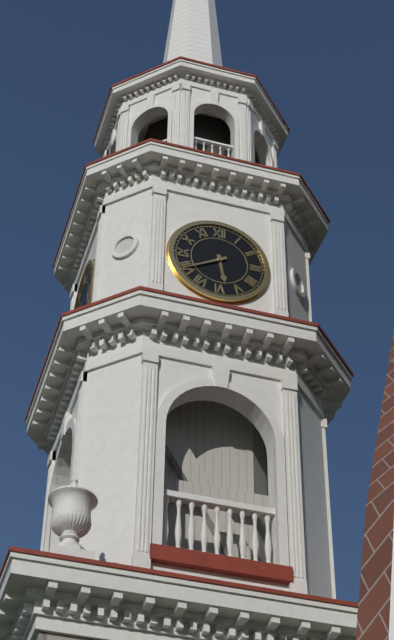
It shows 5,40
